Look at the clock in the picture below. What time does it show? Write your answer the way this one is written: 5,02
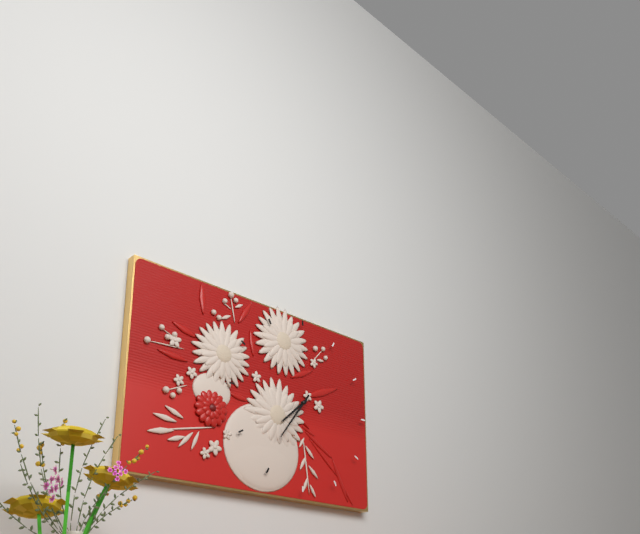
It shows 7,36
